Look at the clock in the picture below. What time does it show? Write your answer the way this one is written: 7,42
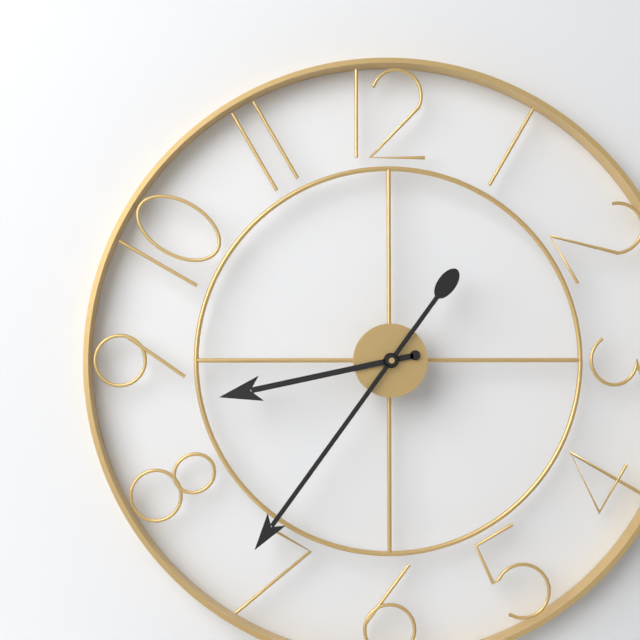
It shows 8,36
